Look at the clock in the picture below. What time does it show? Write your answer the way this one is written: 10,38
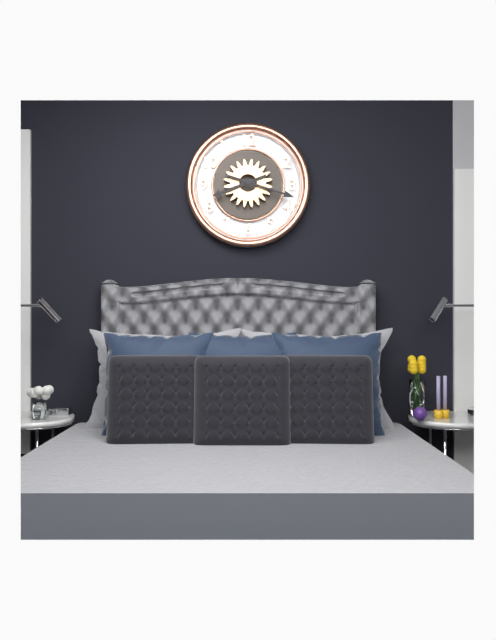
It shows 8,18
